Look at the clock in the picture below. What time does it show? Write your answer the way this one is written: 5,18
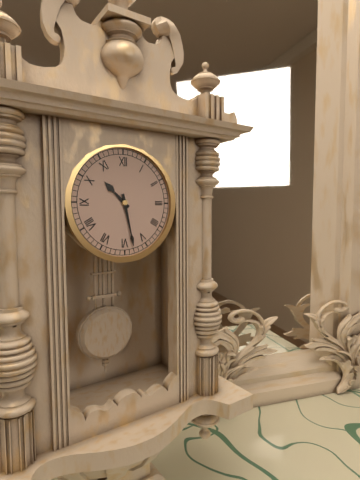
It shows 10,28
